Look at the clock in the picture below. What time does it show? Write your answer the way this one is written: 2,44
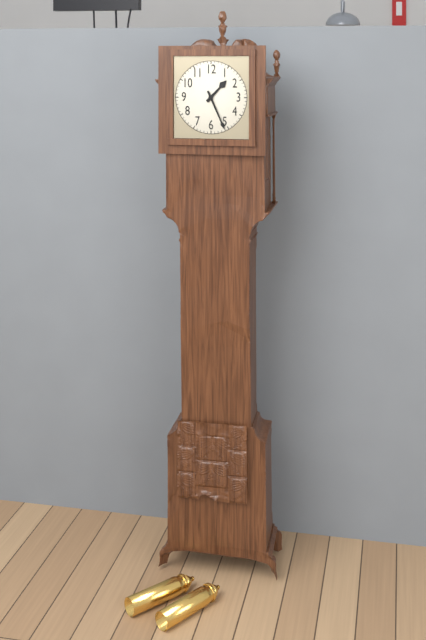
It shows 1,26
